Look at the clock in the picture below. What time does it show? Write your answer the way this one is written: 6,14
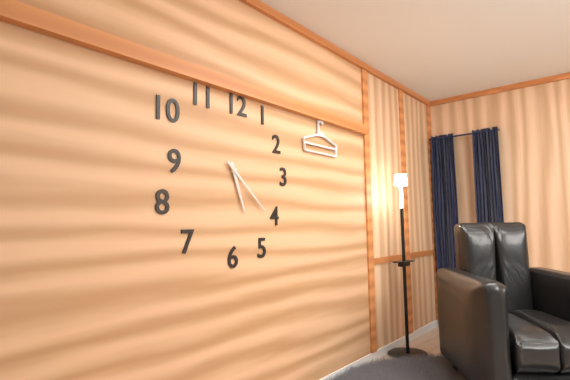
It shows 5,22
